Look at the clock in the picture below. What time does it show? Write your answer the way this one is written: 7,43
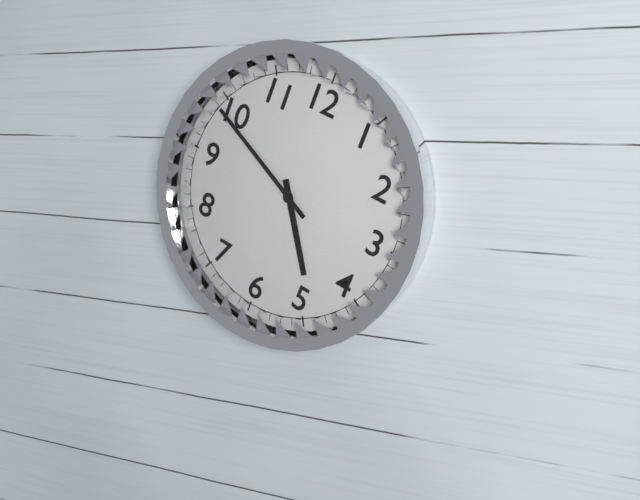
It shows 4,49
